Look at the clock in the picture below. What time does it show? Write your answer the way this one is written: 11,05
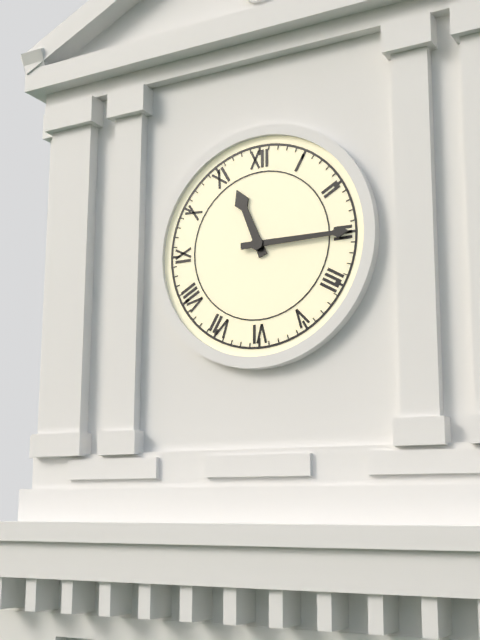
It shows 11,15
